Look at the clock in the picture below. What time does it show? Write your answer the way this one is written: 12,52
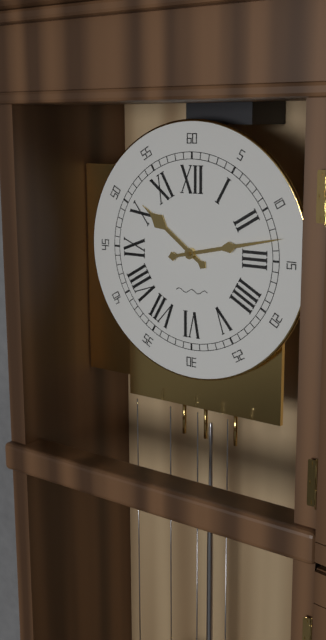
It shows 10,13
